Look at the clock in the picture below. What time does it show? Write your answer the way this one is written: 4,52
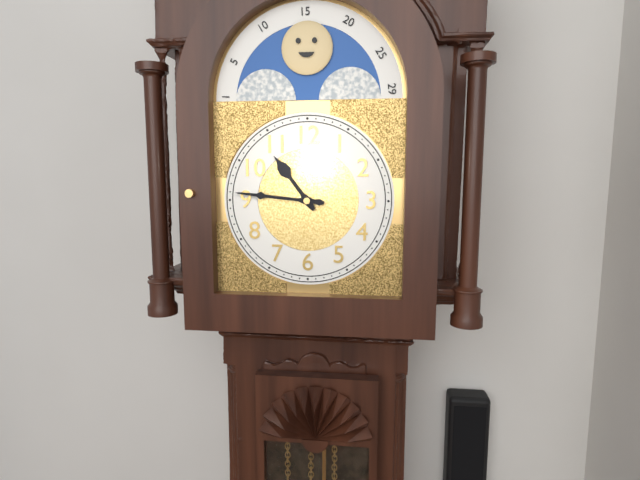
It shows 10,46
